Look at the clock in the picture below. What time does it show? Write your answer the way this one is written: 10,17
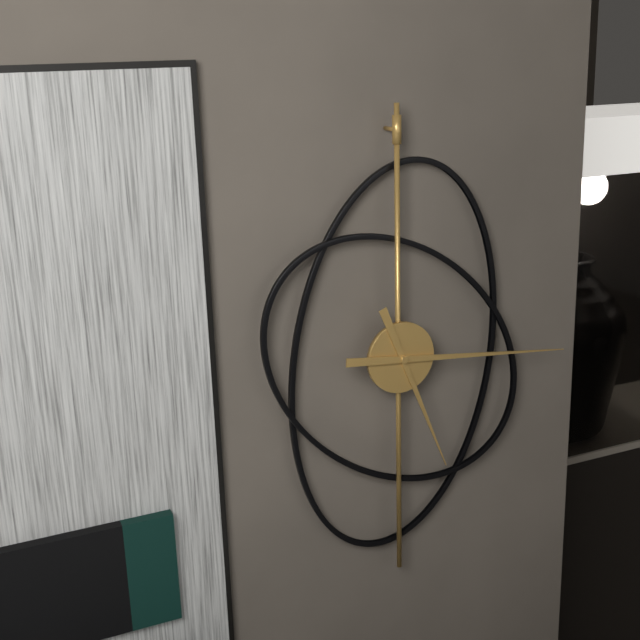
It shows 5,16
